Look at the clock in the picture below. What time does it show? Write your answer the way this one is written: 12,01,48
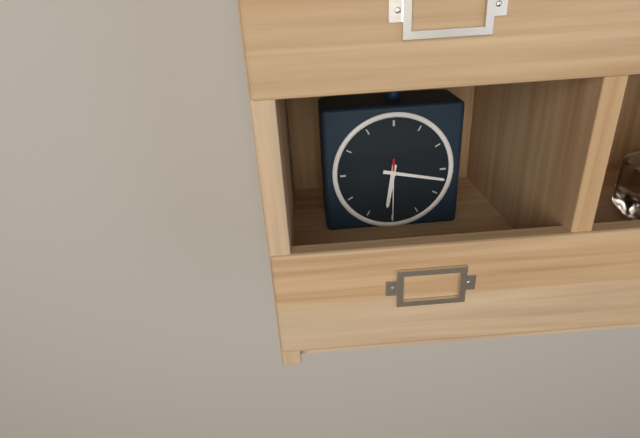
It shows 6,17,30
